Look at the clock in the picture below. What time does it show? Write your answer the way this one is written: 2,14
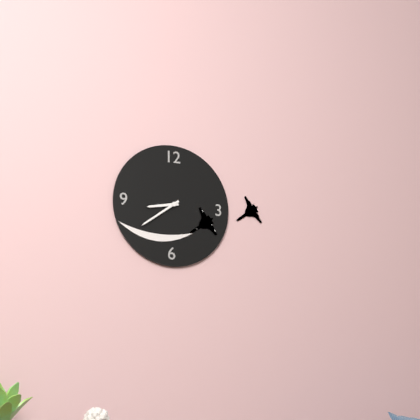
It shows 8,39
